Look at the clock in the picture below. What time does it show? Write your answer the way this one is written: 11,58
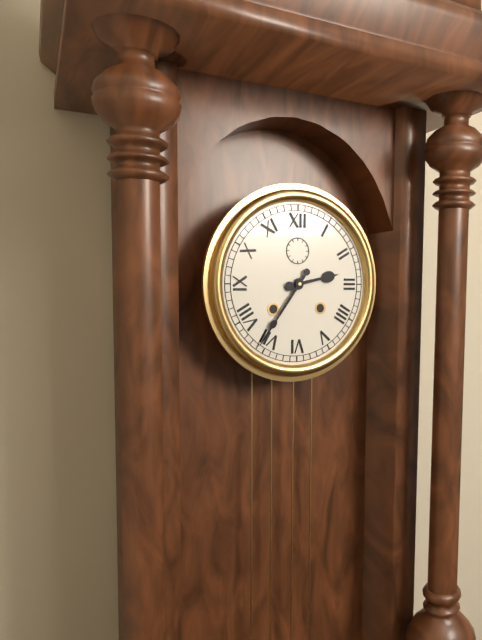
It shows 2,36
